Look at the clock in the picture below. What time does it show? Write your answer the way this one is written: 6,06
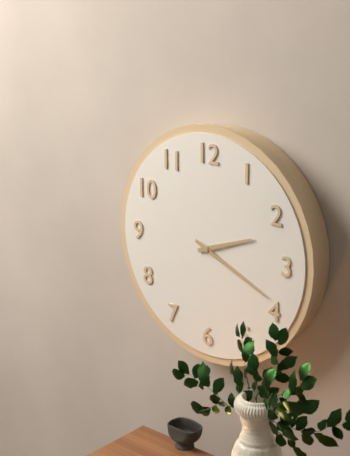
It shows 2,19
